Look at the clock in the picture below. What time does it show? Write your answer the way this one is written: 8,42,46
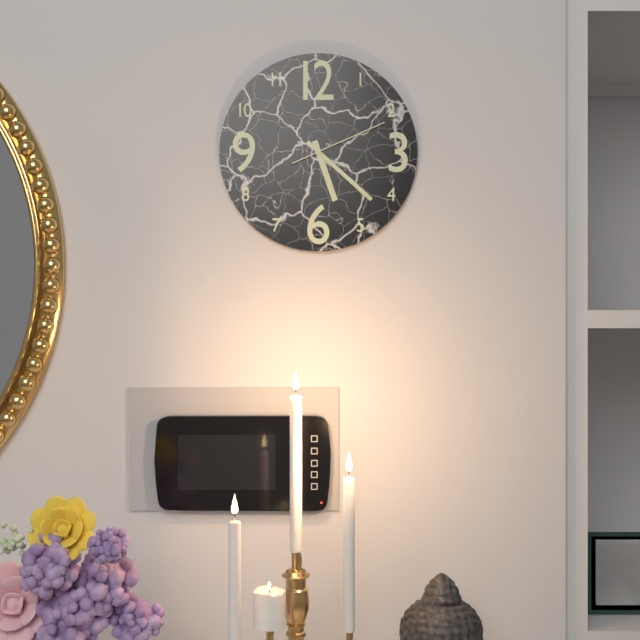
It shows 5,22,11
